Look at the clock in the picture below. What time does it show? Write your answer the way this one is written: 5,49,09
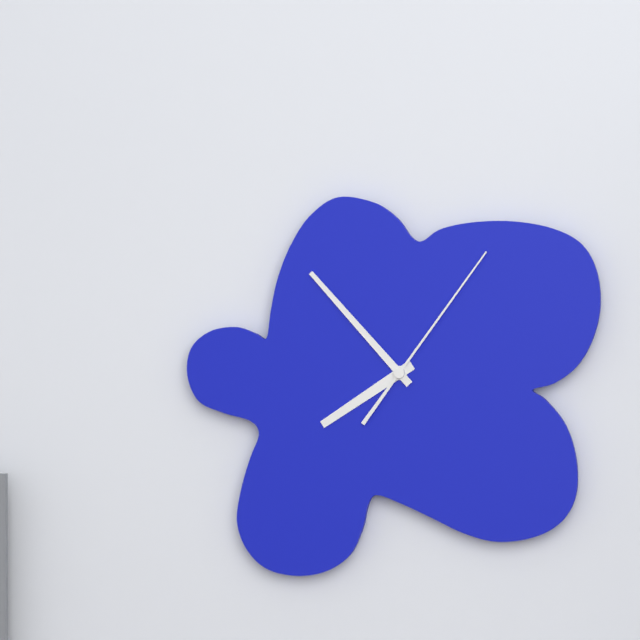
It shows 7,53,06
